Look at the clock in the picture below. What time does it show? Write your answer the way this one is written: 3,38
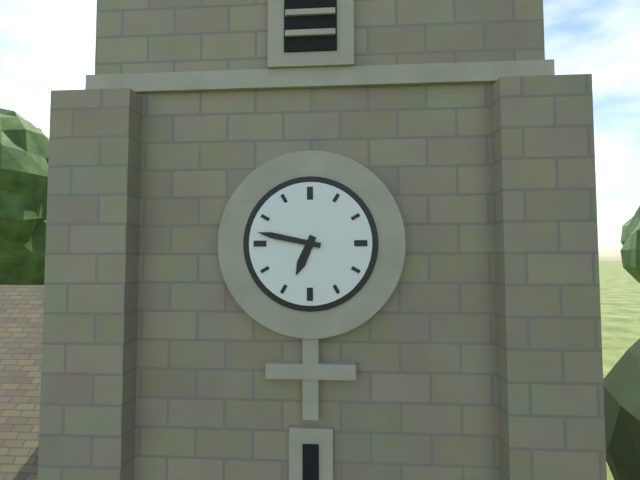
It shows 6,47
